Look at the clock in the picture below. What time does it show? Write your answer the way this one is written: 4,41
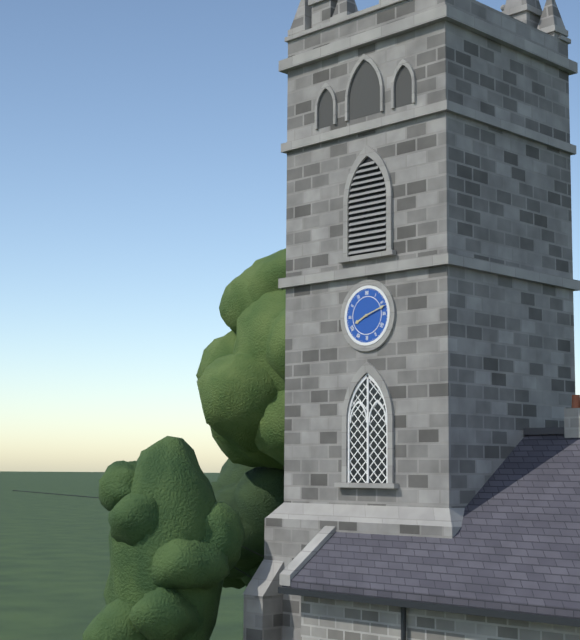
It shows 8,12
